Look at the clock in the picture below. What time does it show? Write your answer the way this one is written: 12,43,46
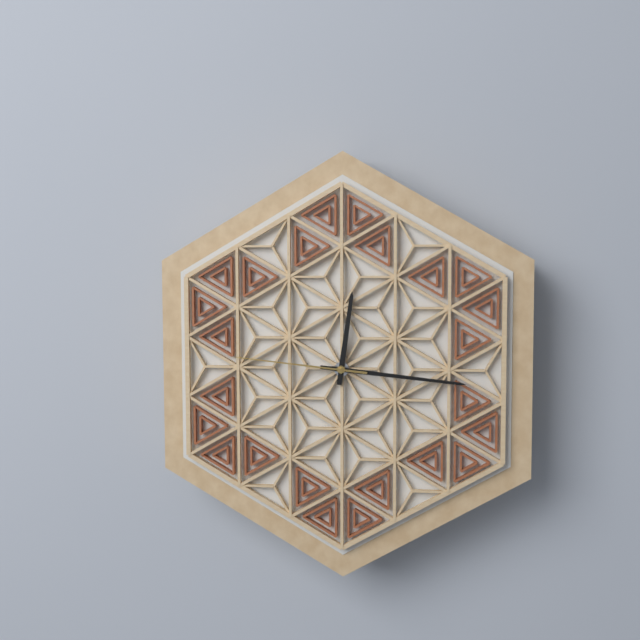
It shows 12,16,46
